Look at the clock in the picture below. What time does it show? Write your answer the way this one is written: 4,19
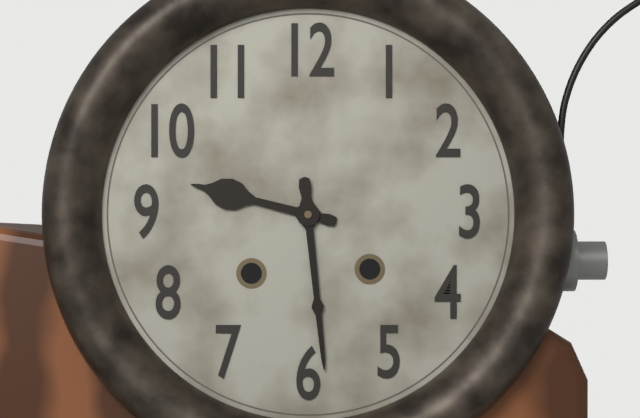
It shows 9,29
